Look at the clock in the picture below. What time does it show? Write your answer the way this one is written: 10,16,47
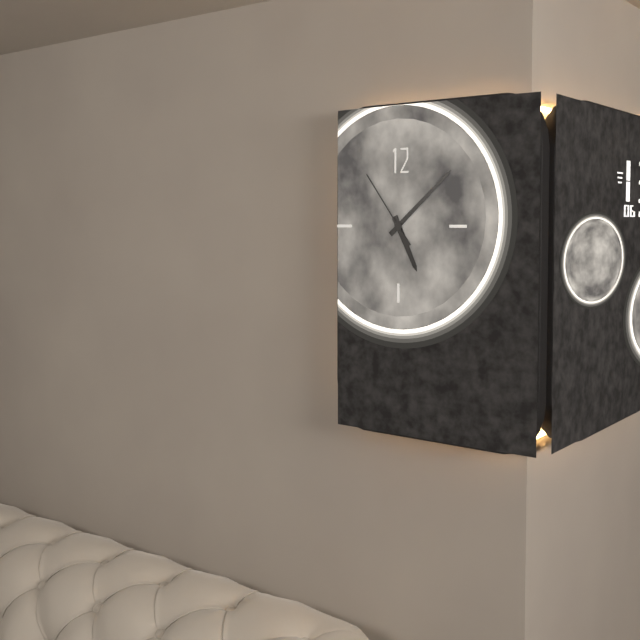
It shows 5,08,54
